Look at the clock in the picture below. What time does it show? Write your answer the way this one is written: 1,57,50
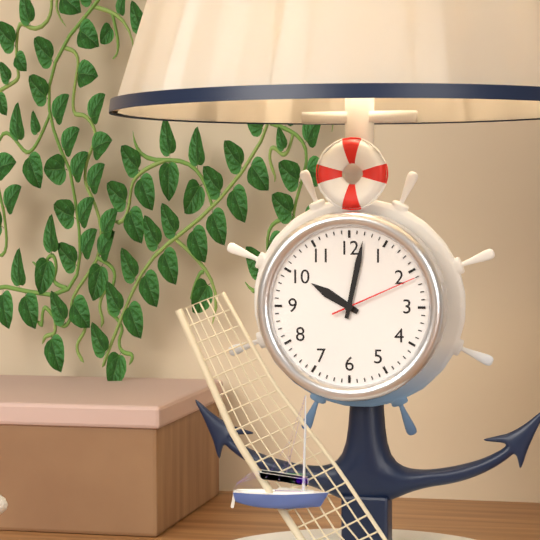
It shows 10,02,11
